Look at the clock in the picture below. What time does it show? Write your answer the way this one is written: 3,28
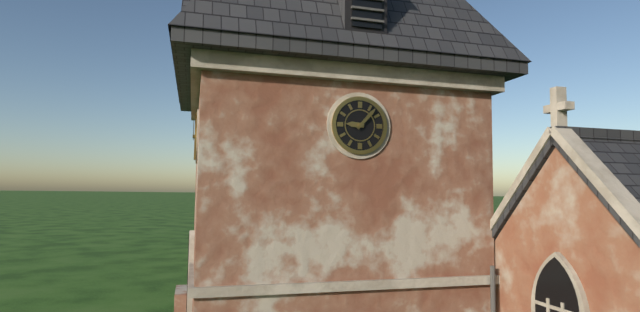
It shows 9,07
